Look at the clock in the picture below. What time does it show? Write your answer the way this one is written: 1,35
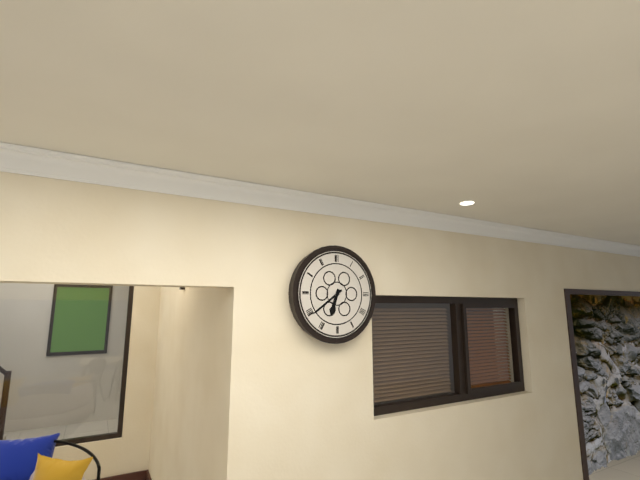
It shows 6,39
